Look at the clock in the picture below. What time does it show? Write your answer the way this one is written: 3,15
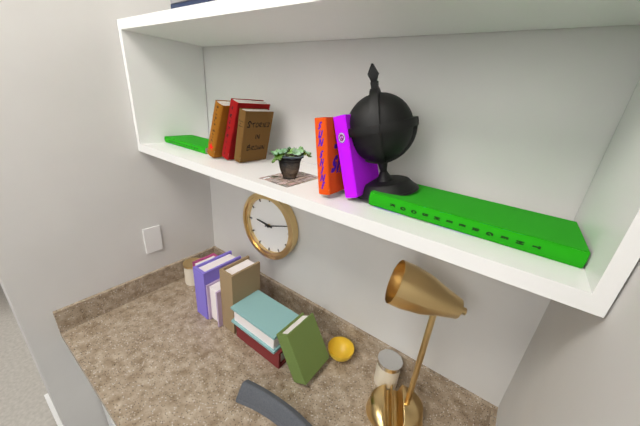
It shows 9,12
